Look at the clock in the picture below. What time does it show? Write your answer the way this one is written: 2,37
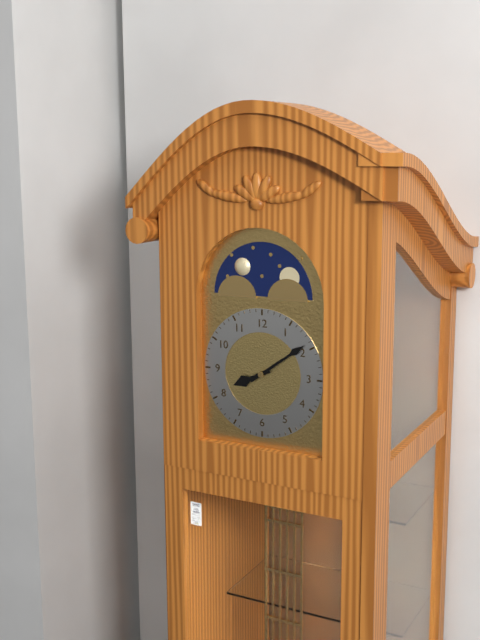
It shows 8,09
